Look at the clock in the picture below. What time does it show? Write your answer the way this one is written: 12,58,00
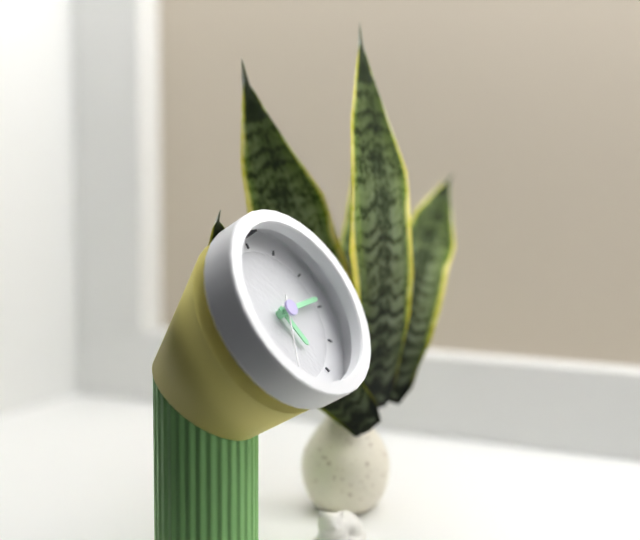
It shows 5,14,34
